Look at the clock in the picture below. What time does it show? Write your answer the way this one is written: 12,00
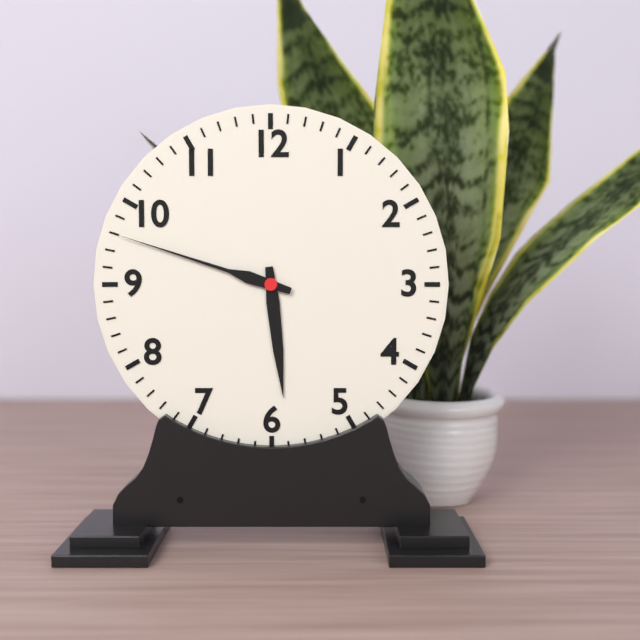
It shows 5,48
